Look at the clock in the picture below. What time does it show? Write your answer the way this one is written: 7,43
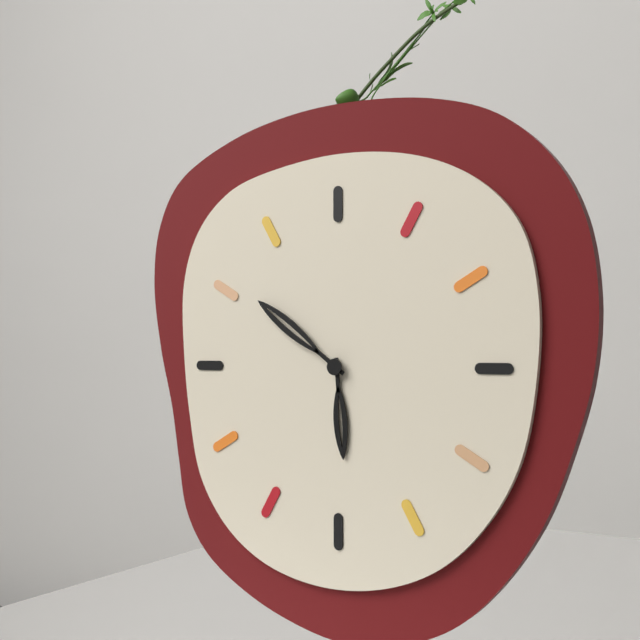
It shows 5,51
